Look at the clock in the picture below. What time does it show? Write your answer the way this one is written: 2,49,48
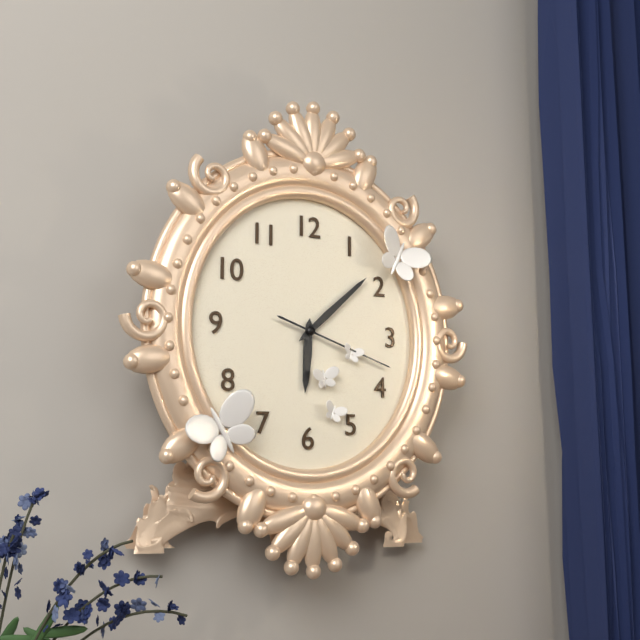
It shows 6,08,18
